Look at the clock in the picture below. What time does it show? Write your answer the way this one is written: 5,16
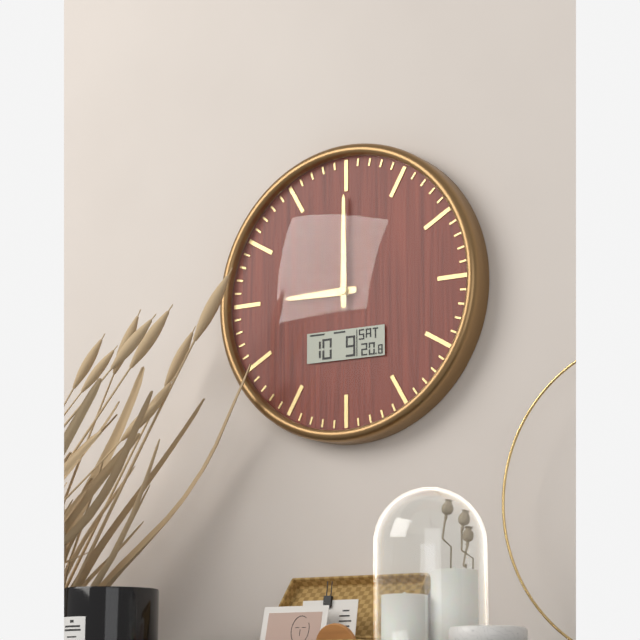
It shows 9,00
